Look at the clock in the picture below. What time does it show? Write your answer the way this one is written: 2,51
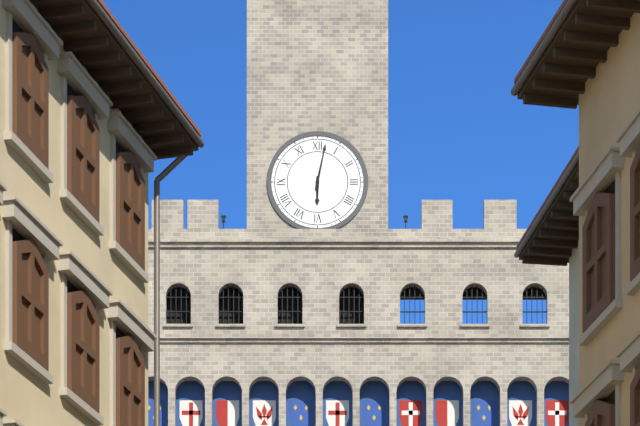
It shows 6,02
